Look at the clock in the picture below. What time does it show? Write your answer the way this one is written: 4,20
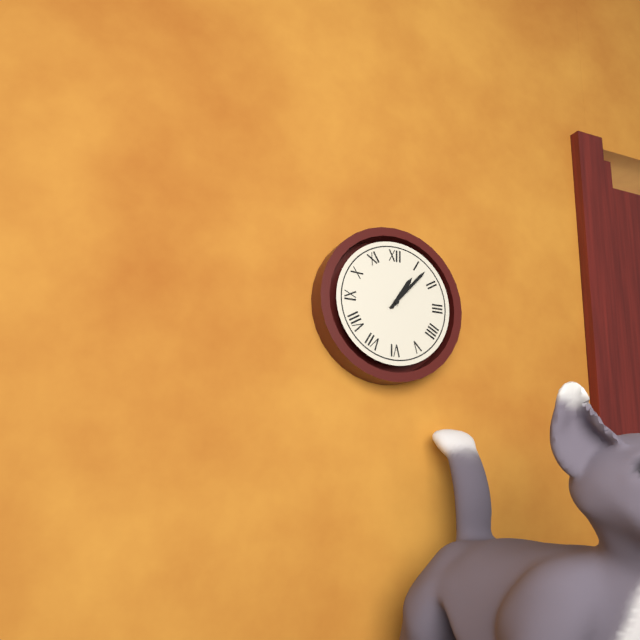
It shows 1,07
